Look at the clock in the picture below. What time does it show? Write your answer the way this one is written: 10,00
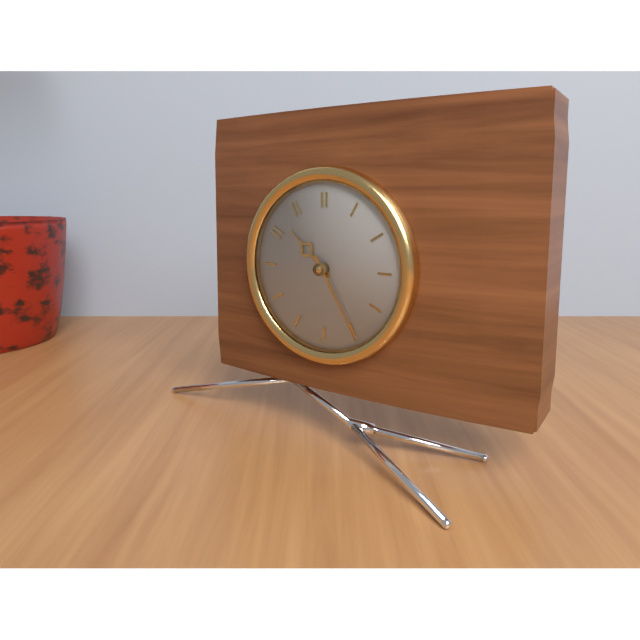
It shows 10,25
